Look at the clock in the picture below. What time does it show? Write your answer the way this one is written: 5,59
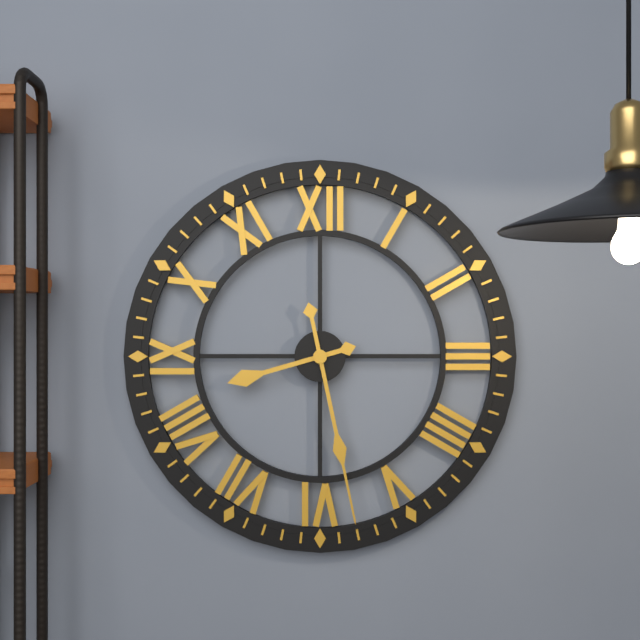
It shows 8,28
